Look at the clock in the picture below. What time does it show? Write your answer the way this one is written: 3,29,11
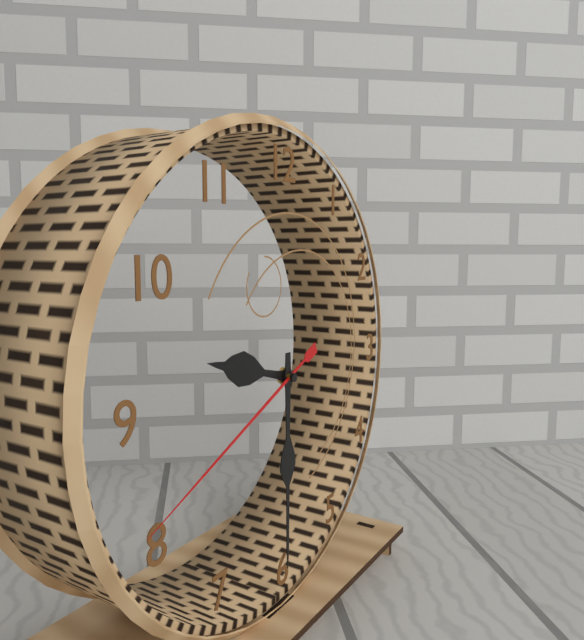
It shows 9,30,41
